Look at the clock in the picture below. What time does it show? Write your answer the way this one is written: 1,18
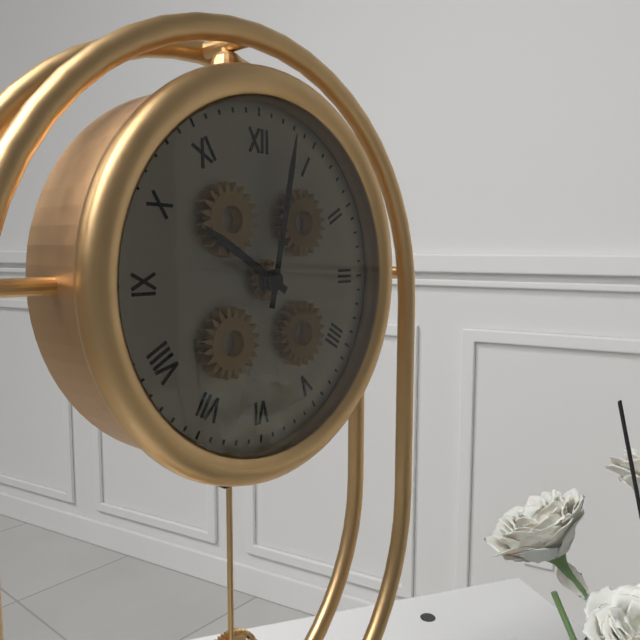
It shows 10,02
